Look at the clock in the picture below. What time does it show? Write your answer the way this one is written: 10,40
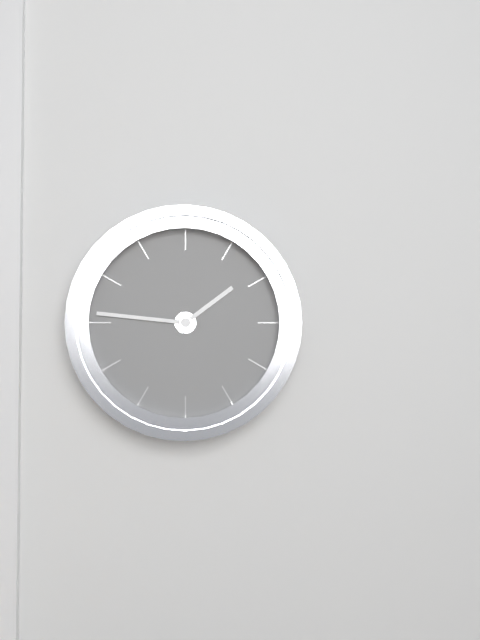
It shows 1,46
